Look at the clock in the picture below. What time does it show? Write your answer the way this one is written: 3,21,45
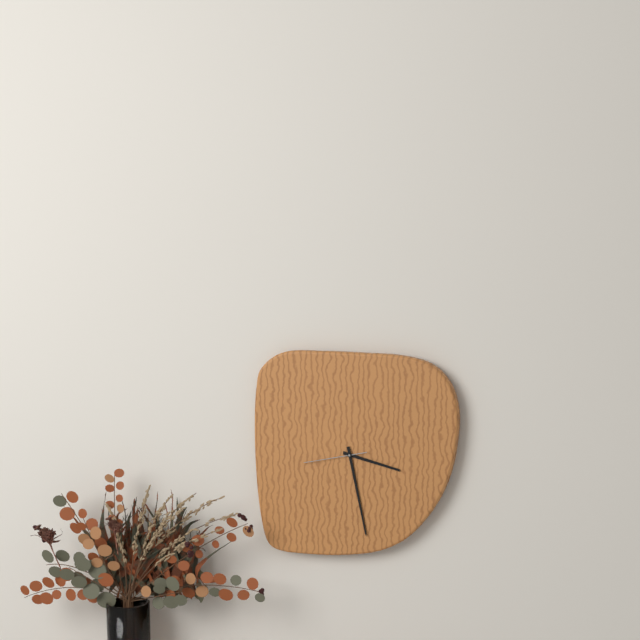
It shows 3,28,43
